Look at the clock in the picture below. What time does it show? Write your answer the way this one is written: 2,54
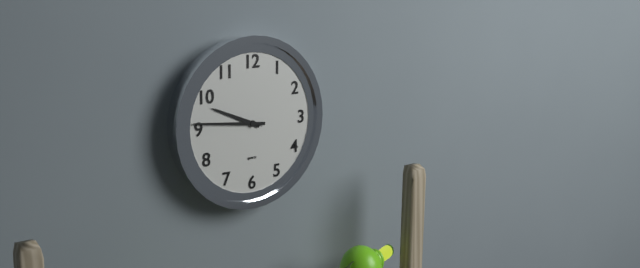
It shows 9,46
